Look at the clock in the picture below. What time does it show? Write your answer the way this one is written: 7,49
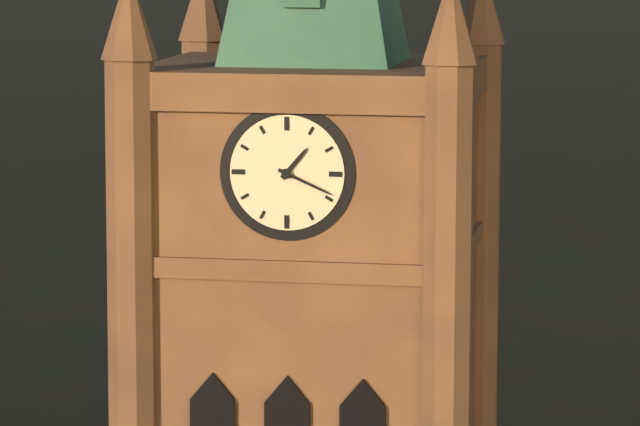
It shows 1,19
